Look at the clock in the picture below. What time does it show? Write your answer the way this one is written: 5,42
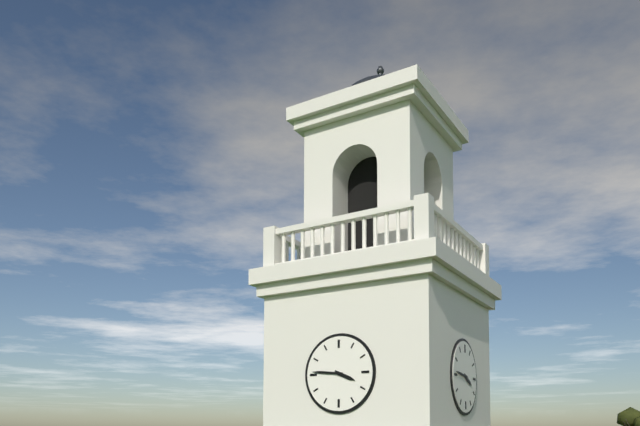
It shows 3,46
